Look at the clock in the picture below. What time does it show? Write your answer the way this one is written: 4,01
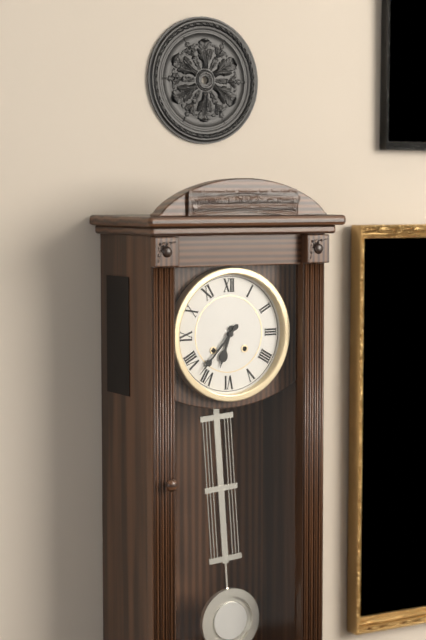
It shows 6,37
